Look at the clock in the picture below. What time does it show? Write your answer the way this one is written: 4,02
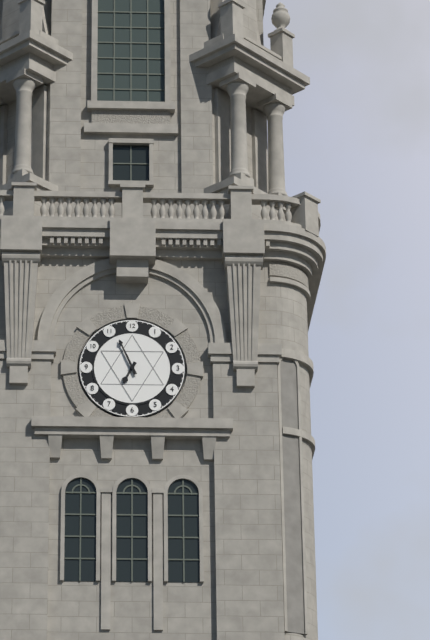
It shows 6,56
